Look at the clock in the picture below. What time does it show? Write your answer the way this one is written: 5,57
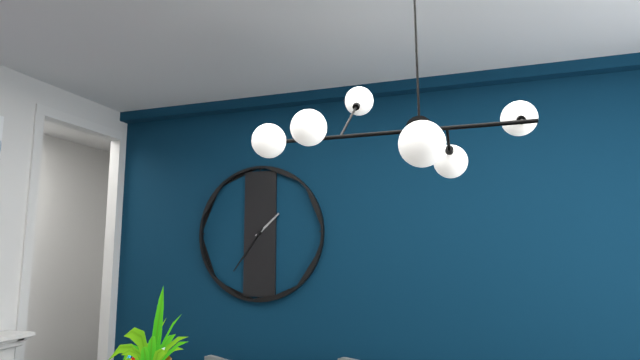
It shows 1,36
